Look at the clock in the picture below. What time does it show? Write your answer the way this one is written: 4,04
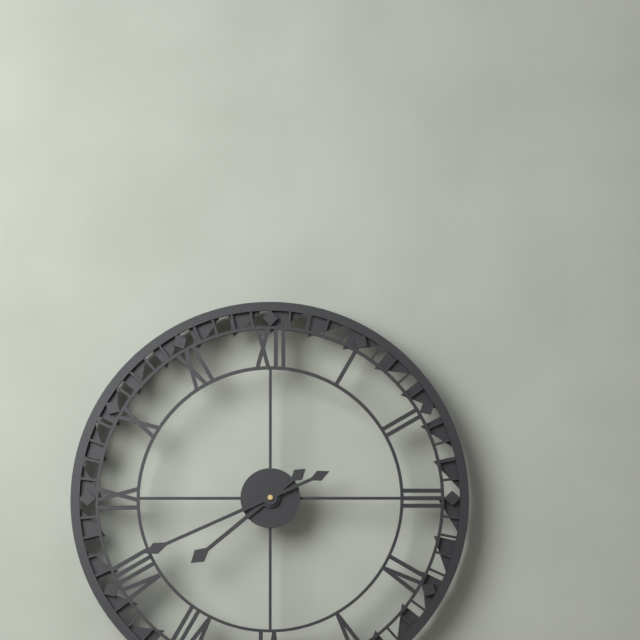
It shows 7,41
